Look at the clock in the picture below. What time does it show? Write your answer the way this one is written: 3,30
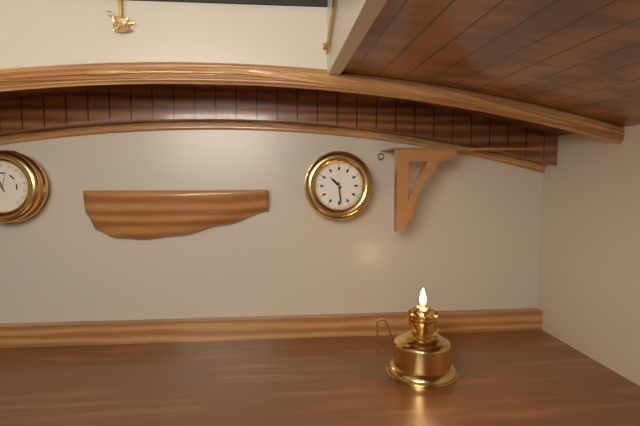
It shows 10,29
